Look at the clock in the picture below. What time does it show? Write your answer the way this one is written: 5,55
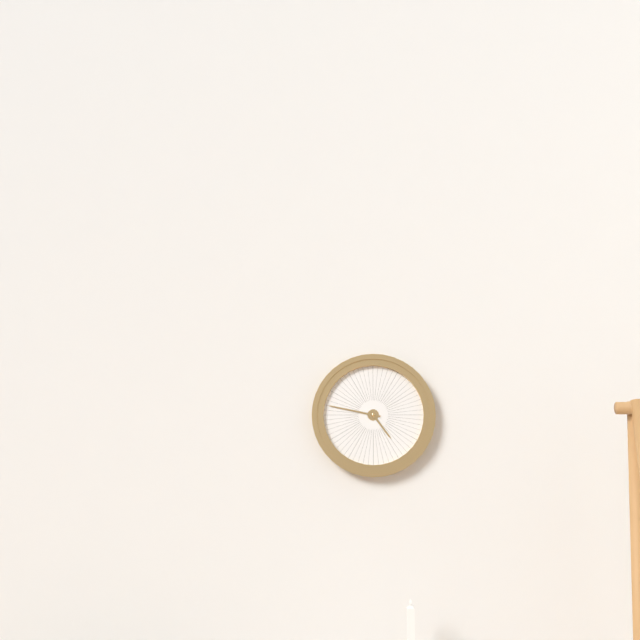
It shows 4,47
